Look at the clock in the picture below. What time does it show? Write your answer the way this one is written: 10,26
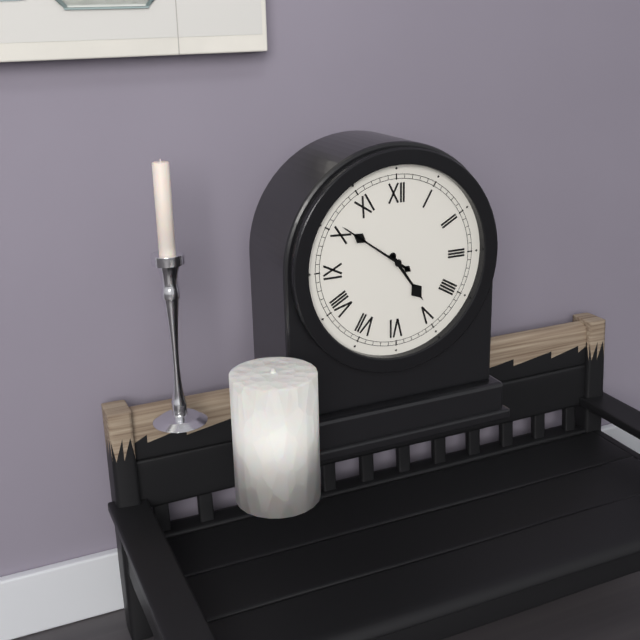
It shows 4,51
